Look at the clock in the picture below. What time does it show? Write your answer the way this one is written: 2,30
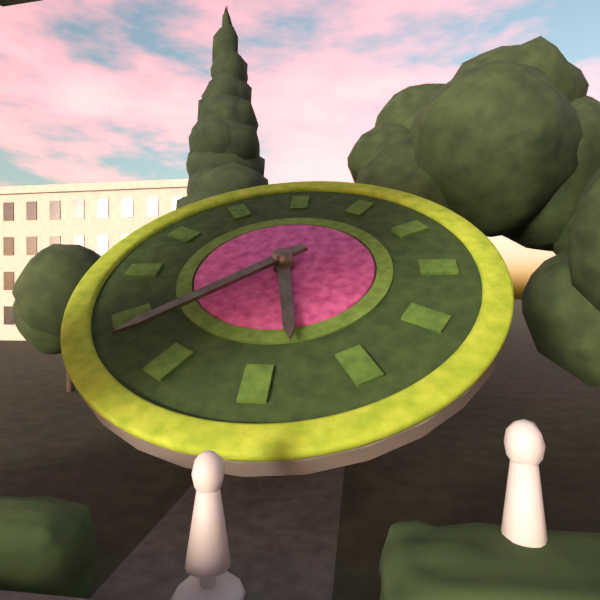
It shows 5,38
